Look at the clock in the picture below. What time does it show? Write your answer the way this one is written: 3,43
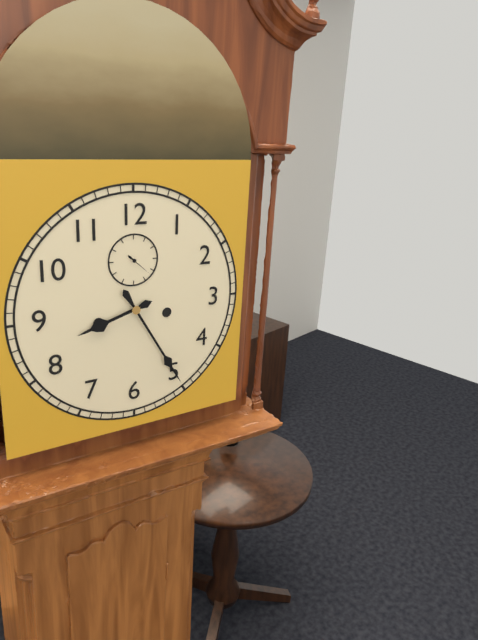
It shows 8,25
